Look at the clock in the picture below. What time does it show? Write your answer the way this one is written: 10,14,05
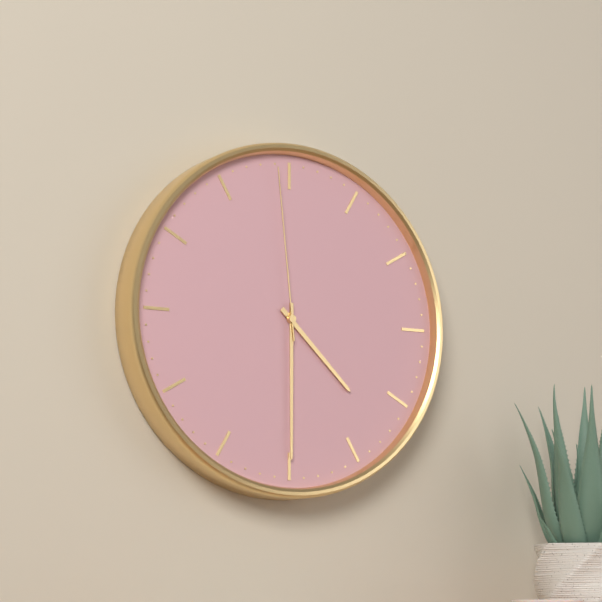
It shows 4,30,59
